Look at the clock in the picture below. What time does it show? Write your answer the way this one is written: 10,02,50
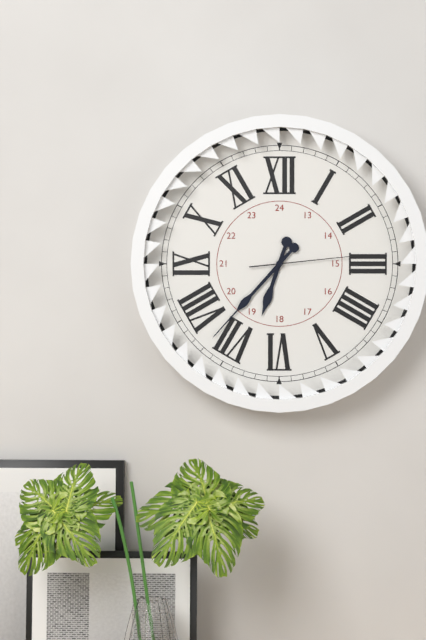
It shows 6,37,14
